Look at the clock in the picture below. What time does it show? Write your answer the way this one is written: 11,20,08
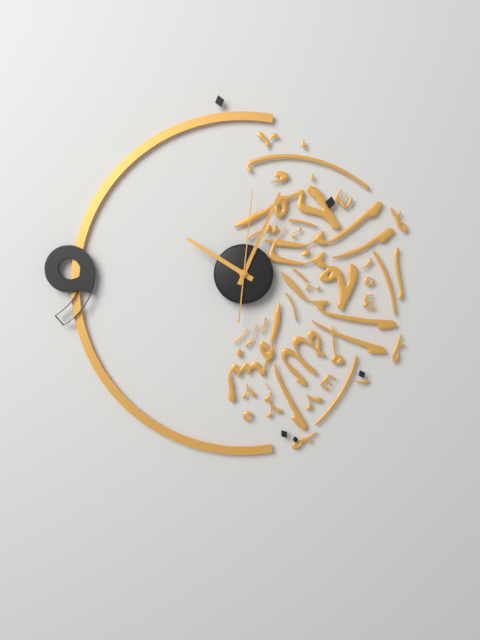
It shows 10,04,01
